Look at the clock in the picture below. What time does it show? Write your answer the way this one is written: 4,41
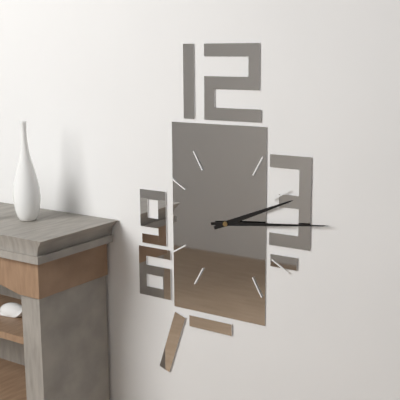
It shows 2,14
